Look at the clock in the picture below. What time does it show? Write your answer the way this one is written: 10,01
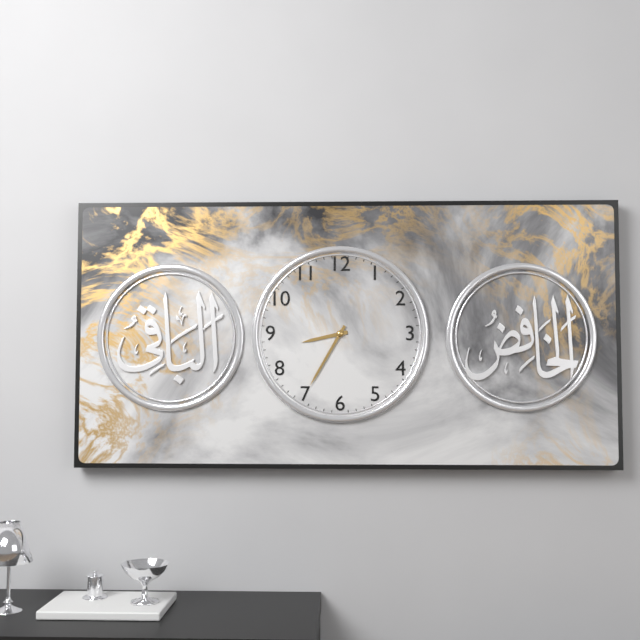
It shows 8,35
